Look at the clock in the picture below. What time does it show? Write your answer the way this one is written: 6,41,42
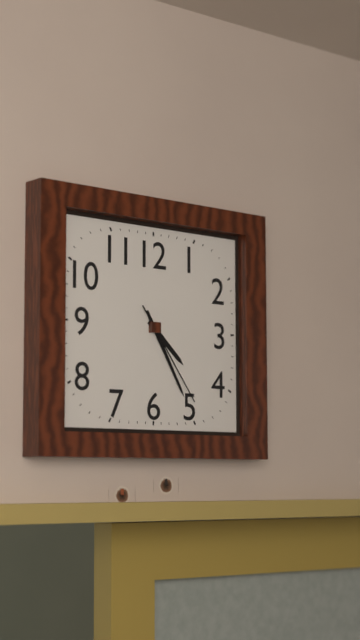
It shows 4,25,24
